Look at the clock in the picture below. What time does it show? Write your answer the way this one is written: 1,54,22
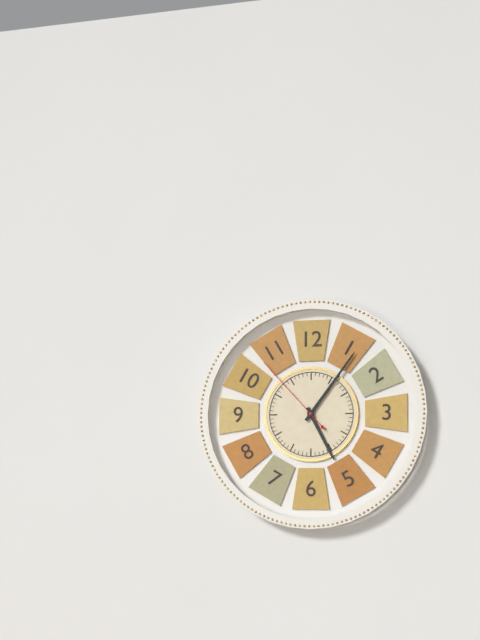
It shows 5,06,53
